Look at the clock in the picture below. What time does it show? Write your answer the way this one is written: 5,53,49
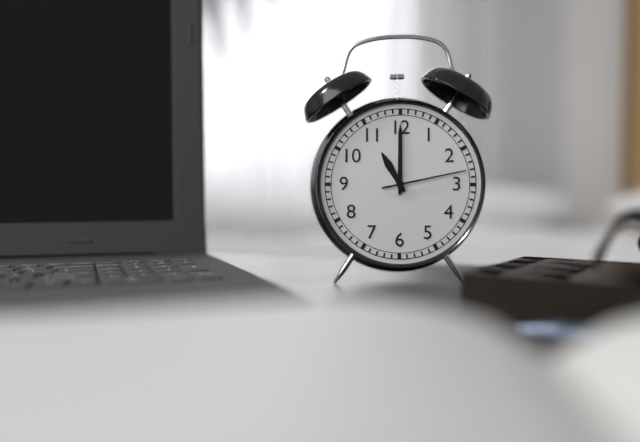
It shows 11,00,13
